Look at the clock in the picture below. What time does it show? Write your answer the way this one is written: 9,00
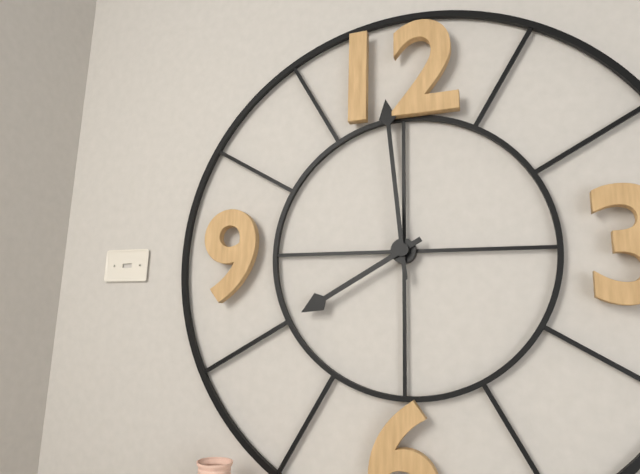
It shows 7,59
